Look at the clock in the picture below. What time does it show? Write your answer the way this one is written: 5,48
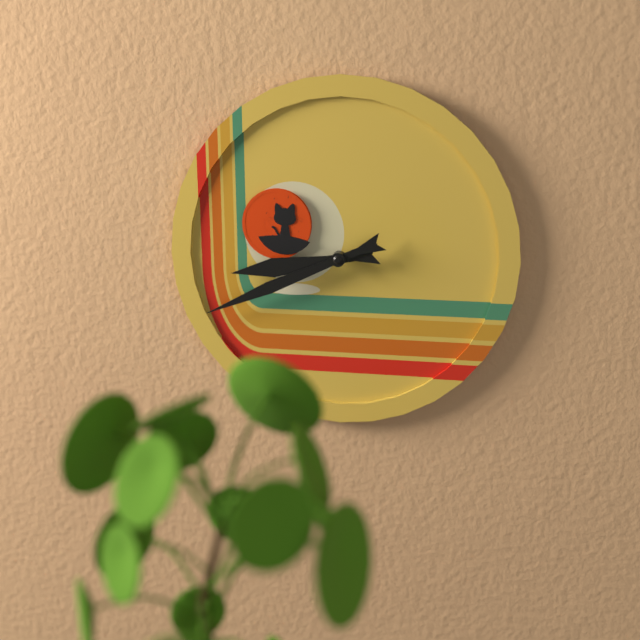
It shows 8,41
